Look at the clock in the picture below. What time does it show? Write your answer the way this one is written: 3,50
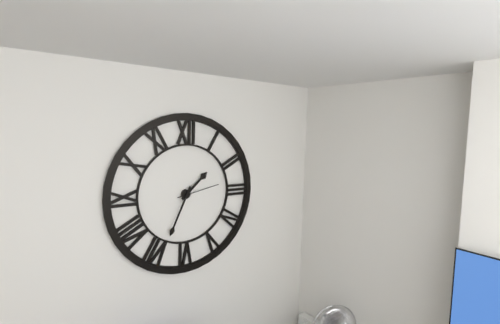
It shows 1,34
